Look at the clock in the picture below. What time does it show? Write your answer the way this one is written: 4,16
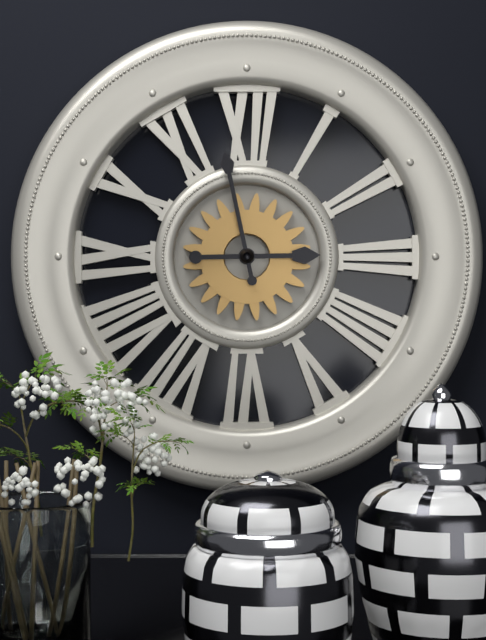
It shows 2,58
